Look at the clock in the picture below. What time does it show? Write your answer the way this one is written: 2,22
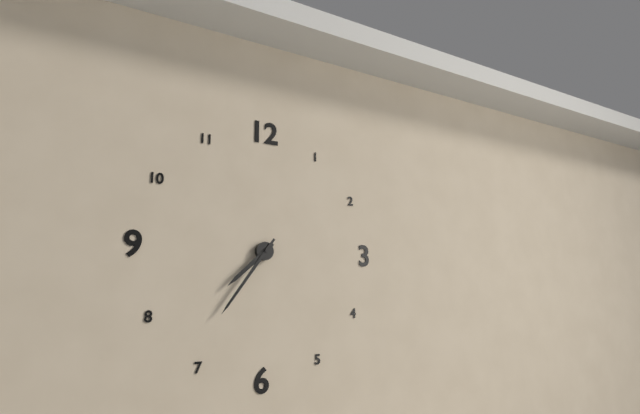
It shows 7,36
